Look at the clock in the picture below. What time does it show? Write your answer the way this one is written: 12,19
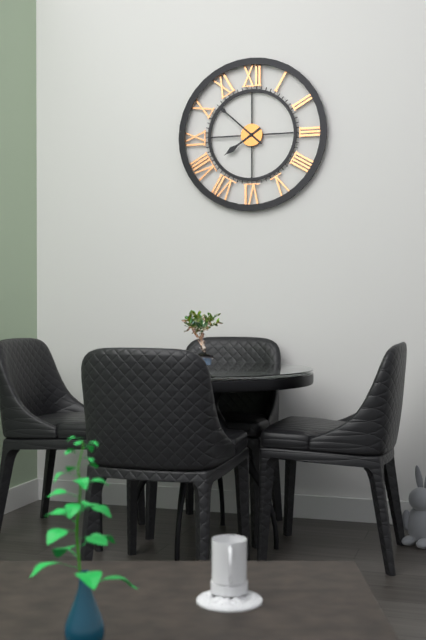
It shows 7,52
